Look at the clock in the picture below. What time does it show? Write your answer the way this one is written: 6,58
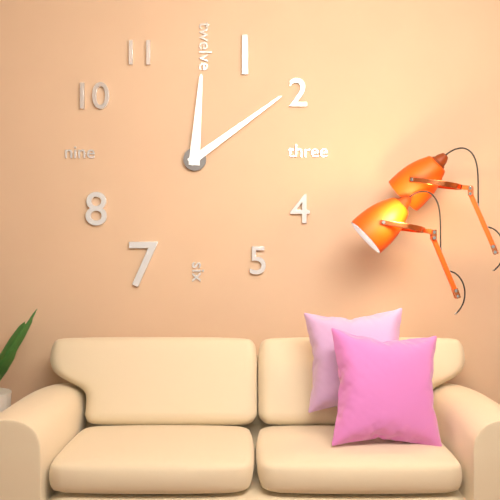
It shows 12,09
